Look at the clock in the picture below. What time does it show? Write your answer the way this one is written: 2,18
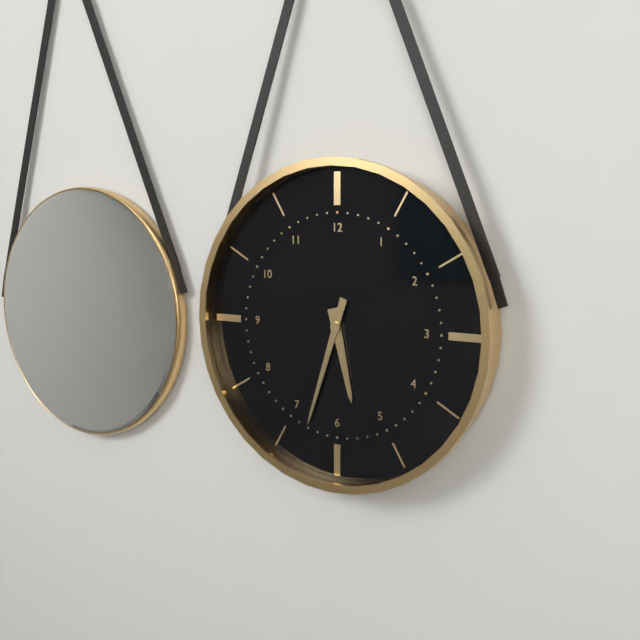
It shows 5,33
